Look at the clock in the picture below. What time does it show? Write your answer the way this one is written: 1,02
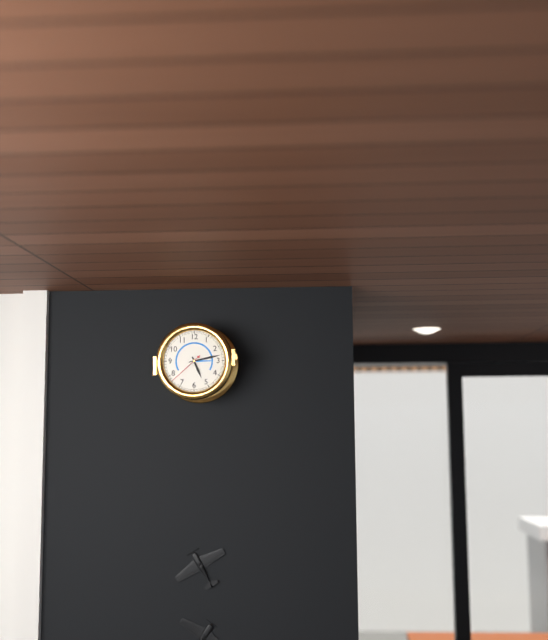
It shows 5,13
